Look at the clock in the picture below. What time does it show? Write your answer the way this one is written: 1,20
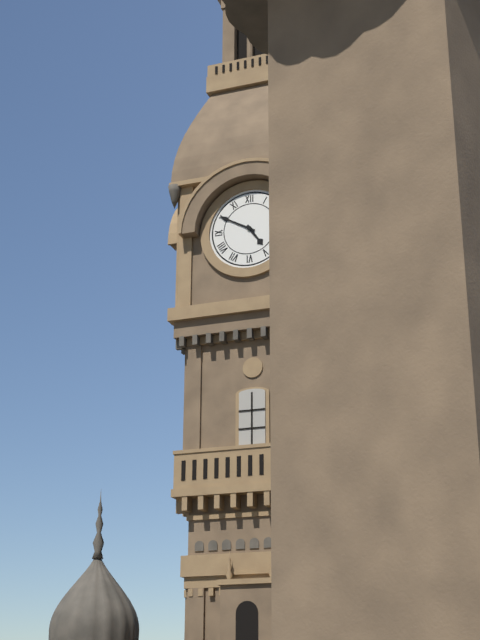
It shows 4,50
